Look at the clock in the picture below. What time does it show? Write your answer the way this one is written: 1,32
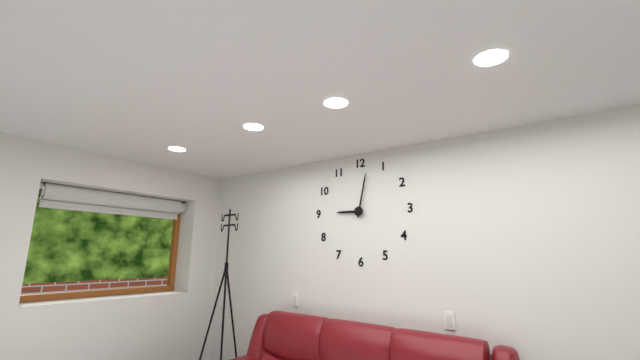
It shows 9,02
